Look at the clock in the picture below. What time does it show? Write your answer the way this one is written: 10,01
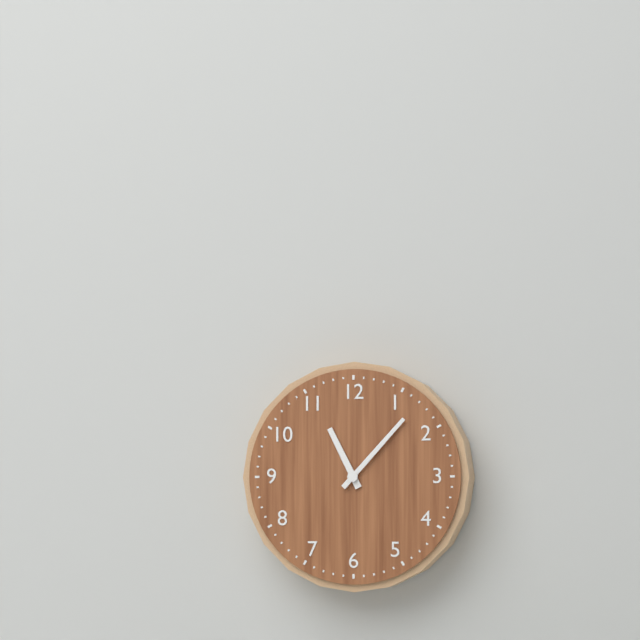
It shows 11,07
